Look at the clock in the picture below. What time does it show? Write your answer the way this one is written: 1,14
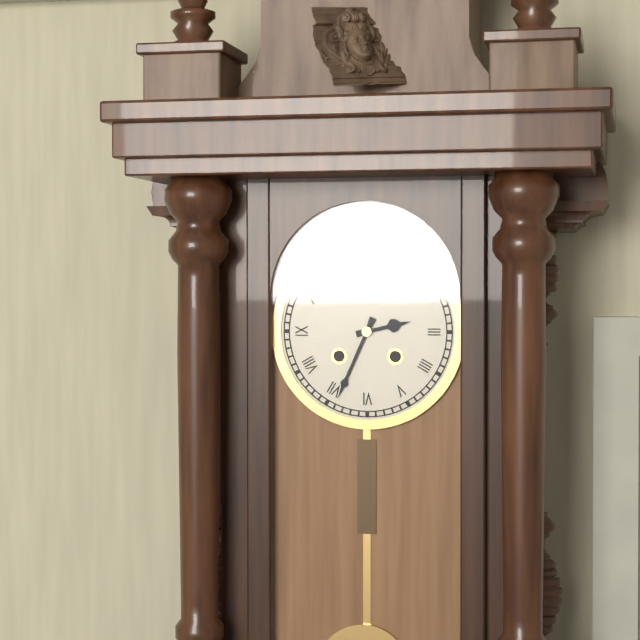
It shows 2,34
